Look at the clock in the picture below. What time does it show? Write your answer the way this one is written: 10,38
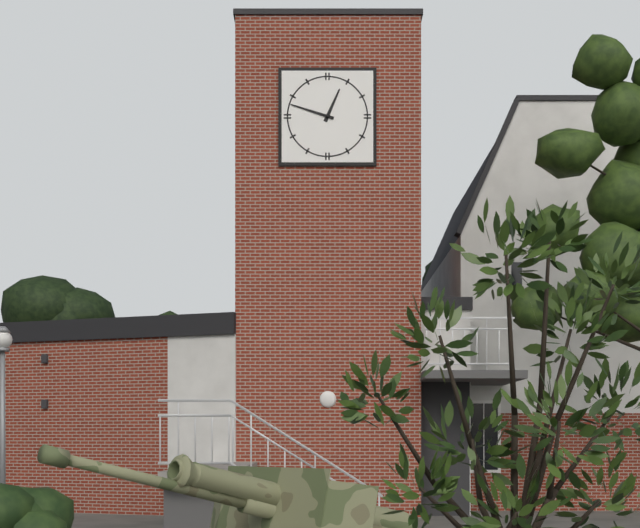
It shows 12,48
